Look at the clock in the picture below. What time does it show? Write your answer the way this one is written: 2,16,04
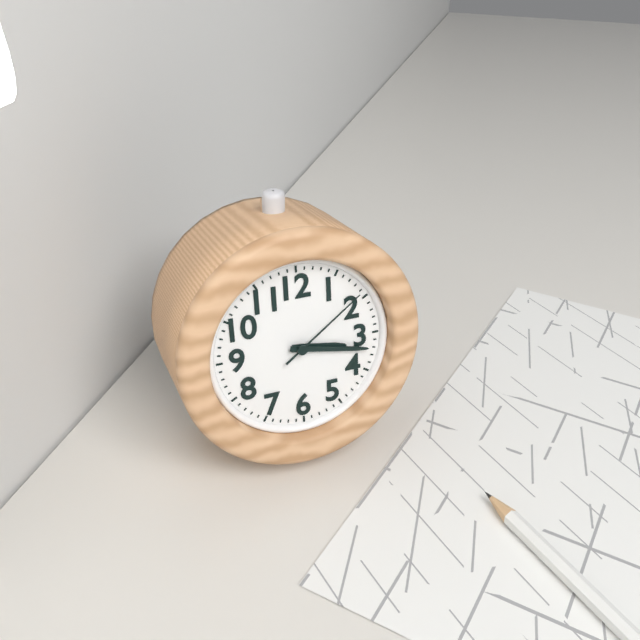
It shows 3,17,09
